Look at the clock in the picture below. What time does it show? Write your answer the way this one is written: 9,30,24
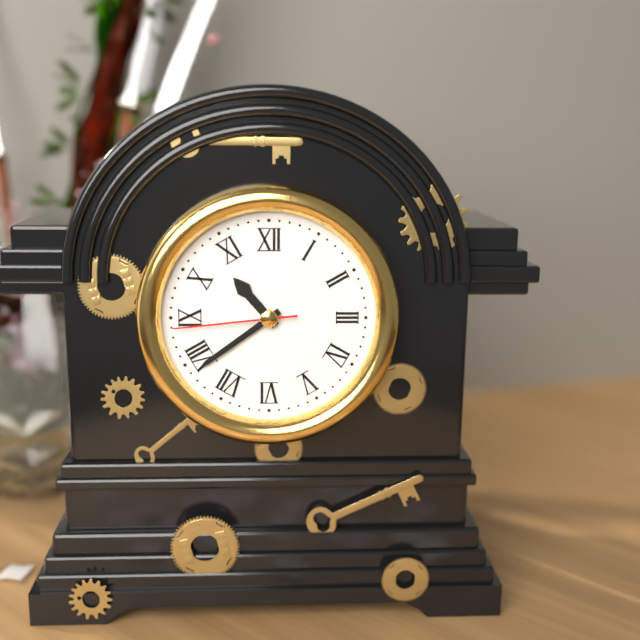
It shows 10,39,44
